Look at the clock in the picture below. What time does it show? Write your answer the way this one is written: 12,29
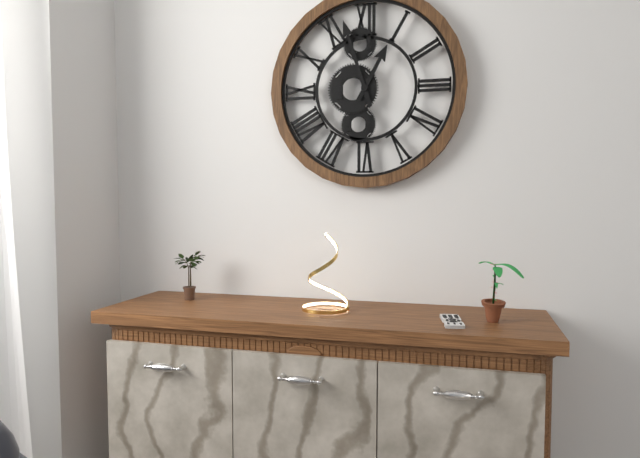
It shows 12,57
